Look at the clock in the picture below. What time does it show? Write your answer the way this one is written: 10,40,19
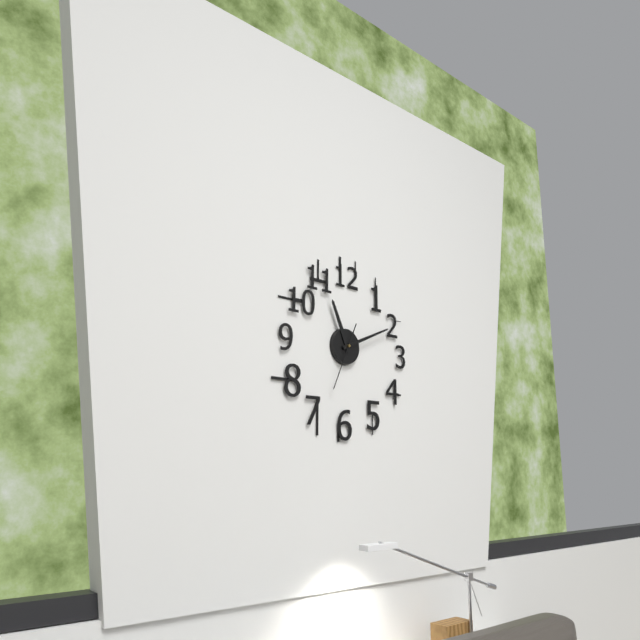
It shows 11,11,34
